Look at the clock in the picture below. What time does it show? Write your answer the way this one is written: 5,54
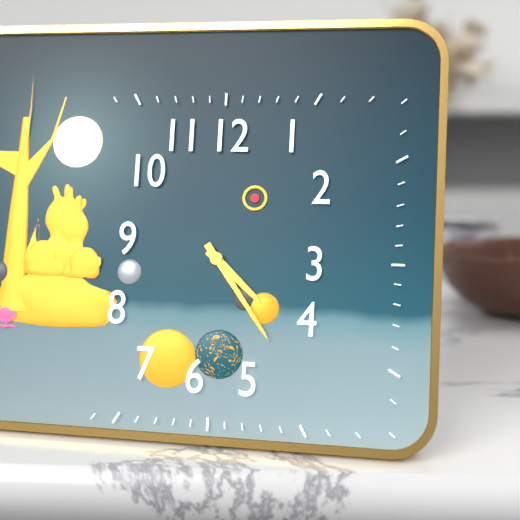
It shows 4,24
